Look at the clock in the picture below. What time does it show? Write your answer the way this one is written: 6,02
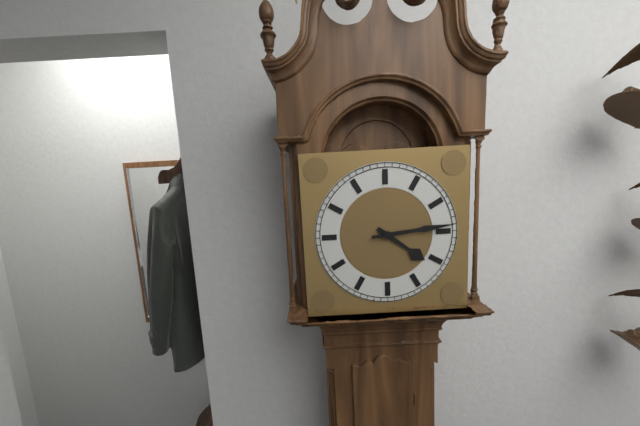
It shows 4,14
